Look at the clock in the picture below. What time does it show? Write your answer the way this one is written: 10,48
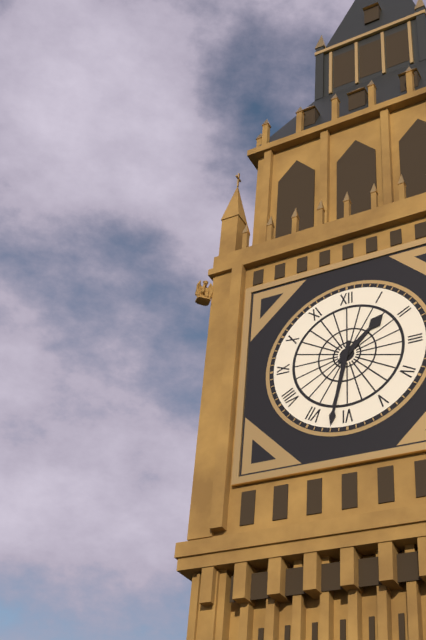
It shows 1,32
